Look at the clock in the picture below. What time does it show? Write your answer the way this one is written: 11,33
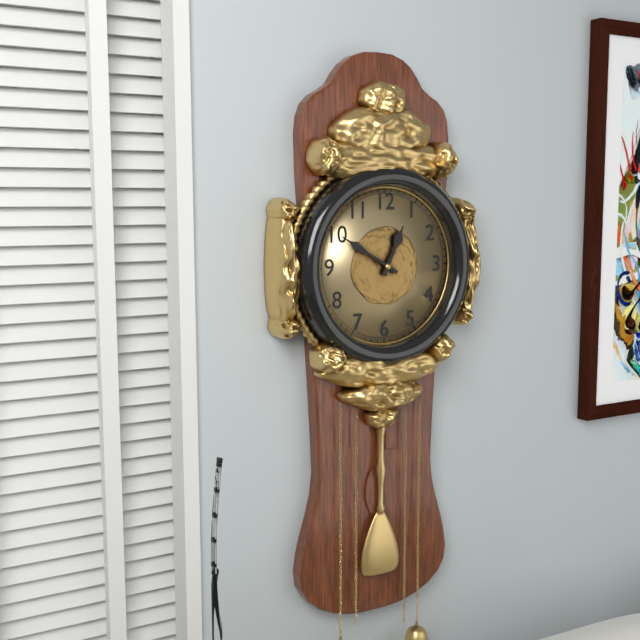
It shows 12,50
